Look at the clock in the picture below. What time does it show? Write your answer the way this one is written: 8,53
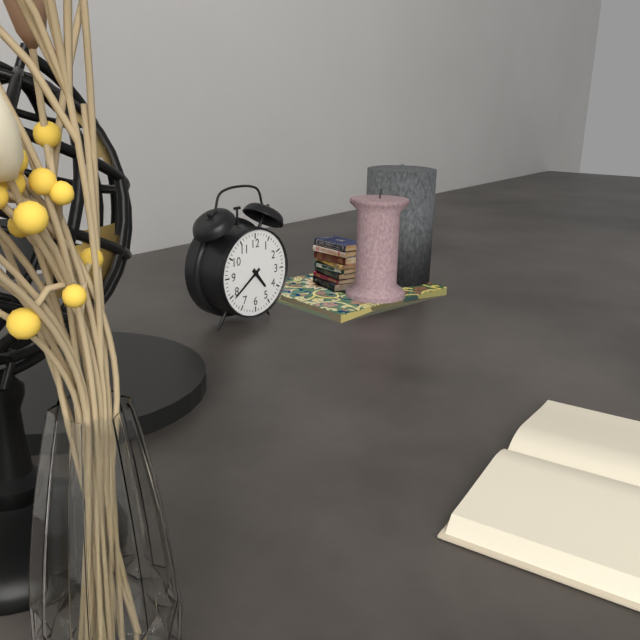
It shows 4,39
